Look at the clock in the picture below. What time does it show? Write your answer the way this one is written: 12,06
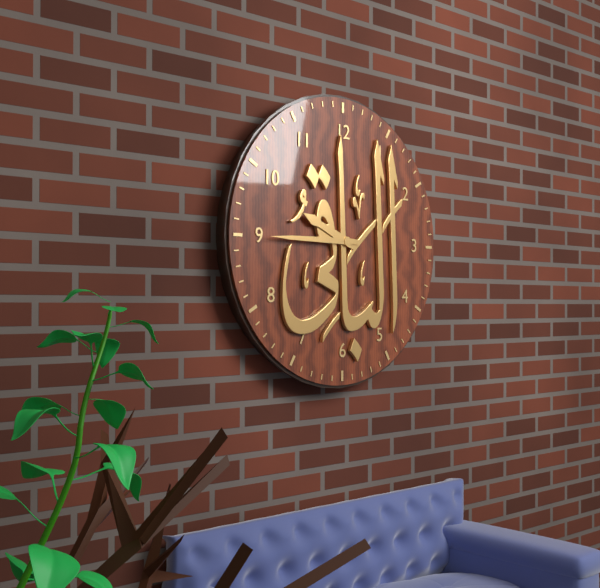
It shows 9,45
